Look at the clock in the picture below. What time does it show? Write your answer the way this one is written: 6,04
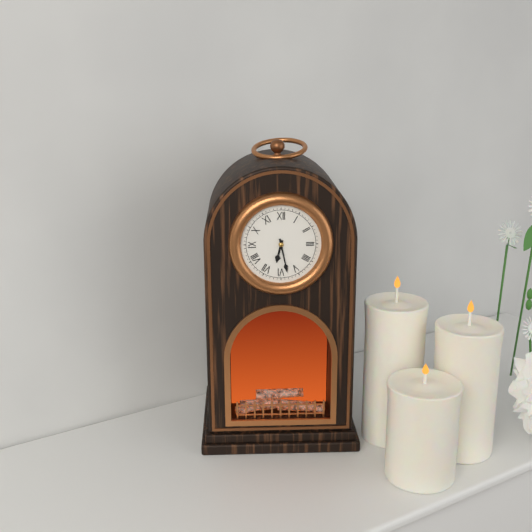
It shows 6,28
